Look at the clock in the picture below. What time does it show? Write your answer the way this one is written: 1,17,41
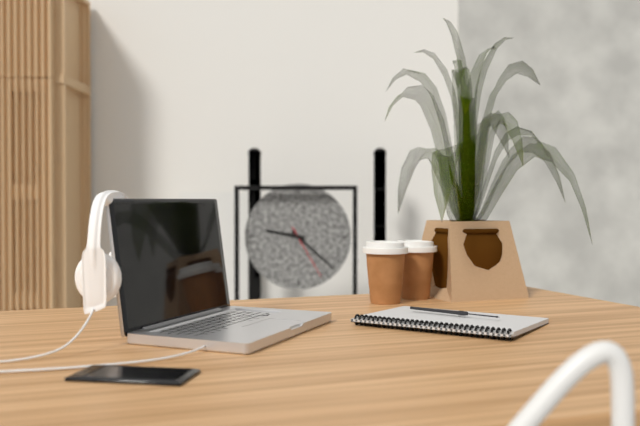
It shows 9,22,25
